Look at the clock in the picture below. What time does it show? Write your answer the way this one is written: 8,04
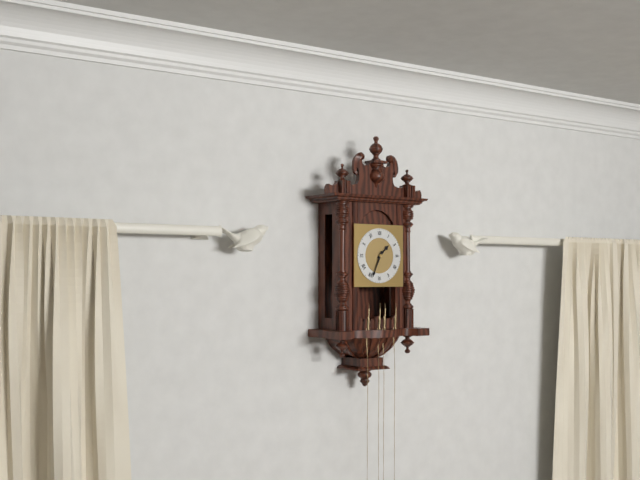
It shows 1,34
